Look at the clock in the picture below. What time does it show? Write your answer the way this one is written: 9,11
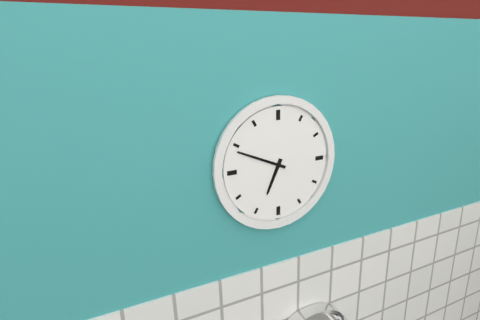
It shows 6,49
